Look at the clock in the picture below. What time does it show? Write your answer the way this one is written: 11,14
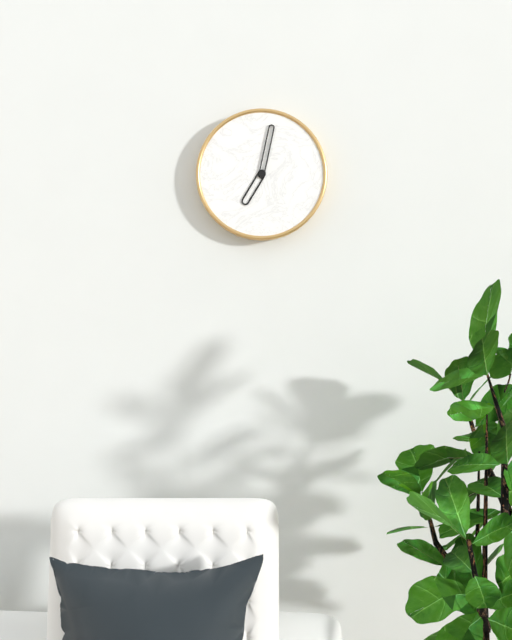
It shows 7,02
